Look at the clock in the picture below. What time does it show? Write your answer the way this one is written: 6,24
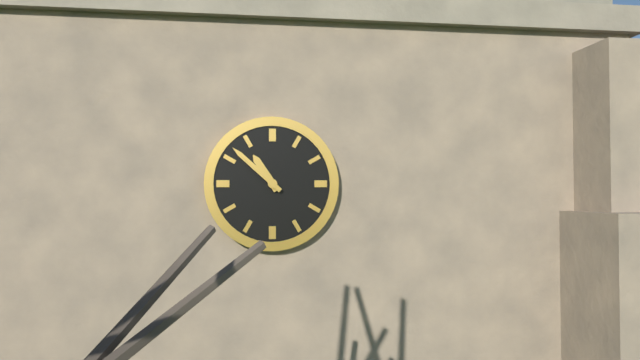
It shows 10,52
